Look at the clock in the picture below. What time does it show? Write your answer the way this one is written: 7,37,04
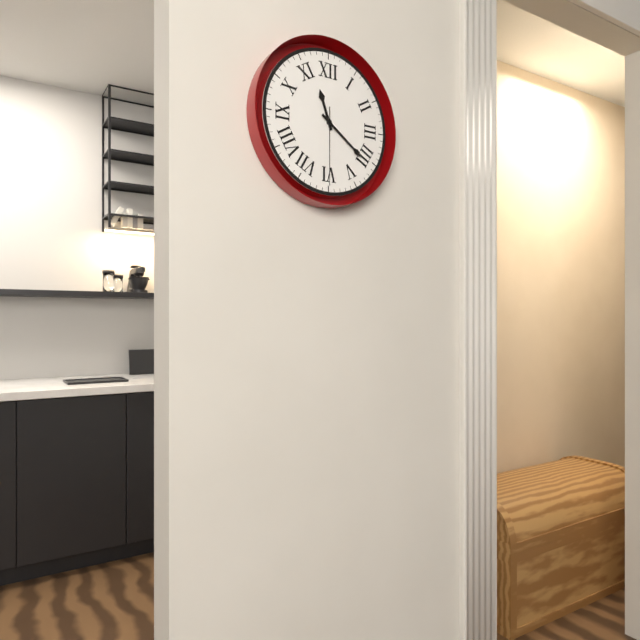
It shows 11,21,30
